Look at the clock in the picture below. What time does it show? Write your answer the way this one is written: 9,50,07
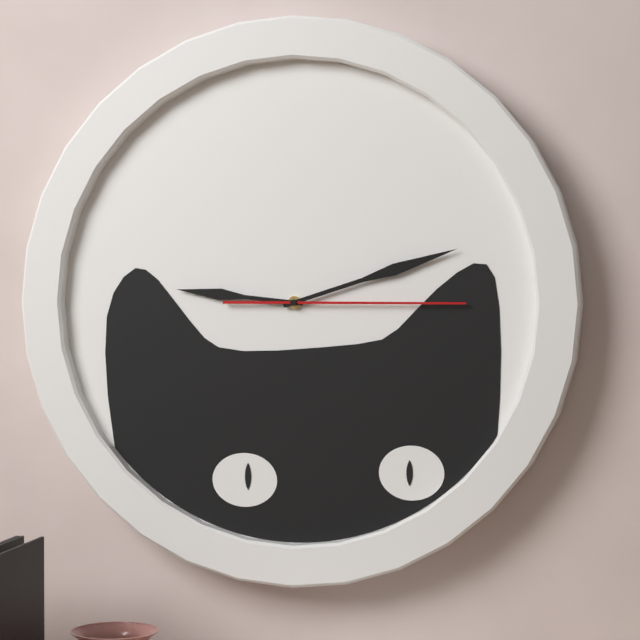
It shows 9,12,15
